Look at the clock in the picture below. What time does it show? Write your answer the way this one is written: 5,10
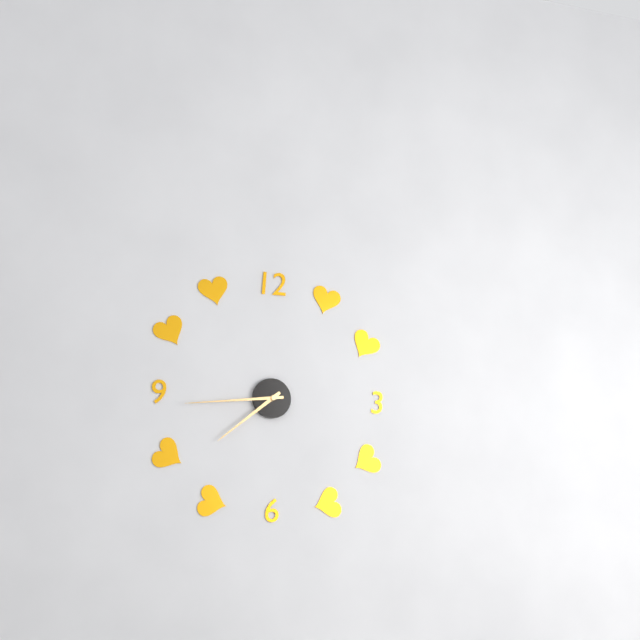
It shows 7,44
